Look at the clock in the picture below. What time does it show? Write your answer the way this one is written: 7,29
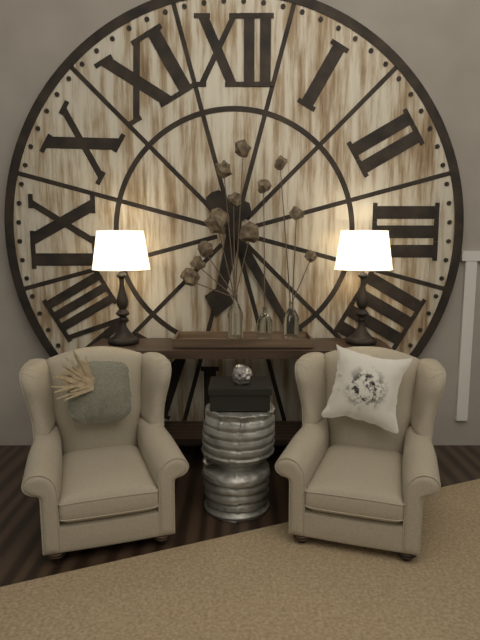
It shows 6,25
